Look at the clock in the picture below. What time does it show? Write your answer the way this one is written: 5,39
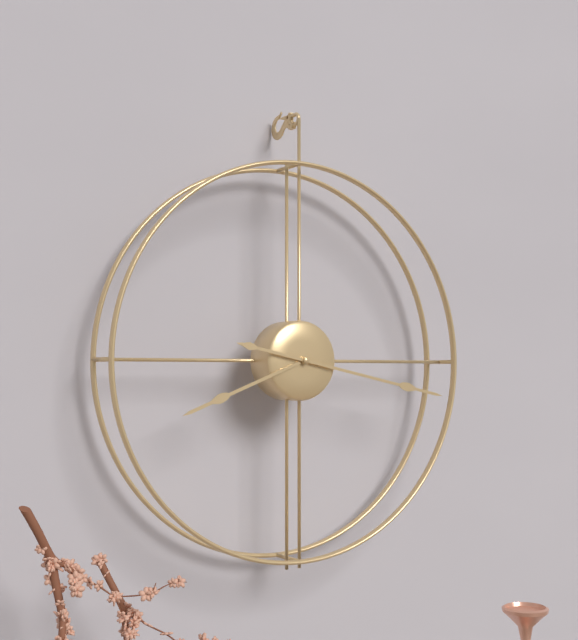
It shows 8,17
